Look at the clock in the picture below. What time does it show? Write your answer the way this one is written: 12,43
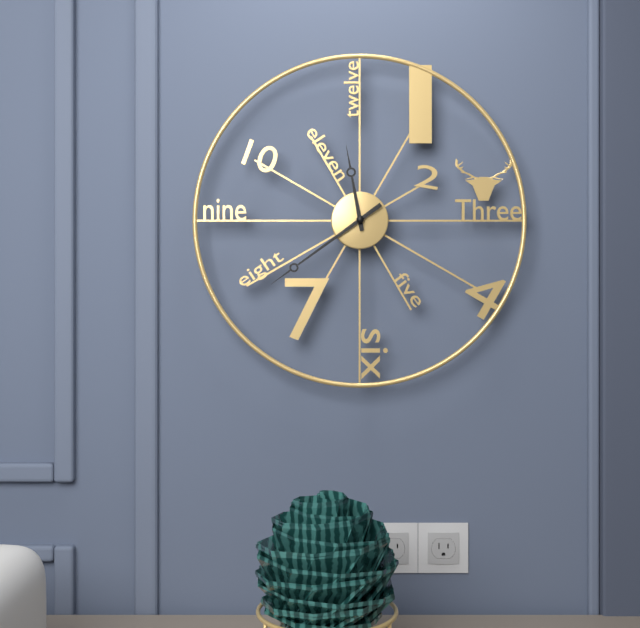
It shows 11,39
